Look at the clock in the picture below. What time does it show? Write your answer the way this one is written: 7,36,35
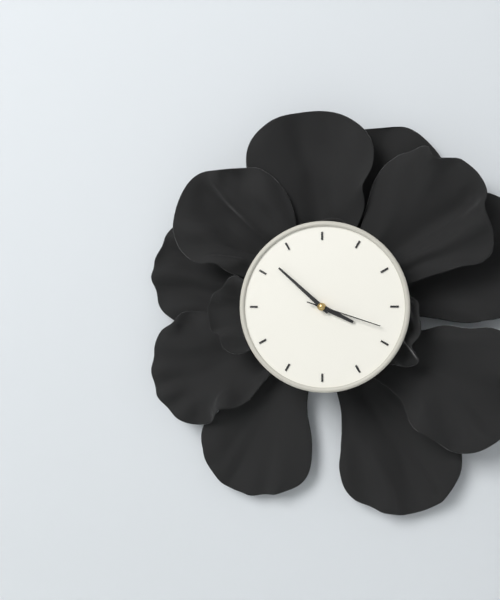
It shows 3,52,18
